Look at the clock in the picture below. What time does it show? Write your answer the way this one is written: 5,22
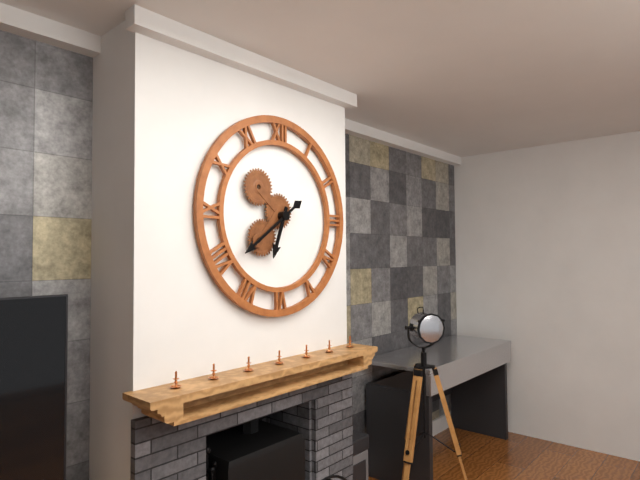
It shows 6,39
